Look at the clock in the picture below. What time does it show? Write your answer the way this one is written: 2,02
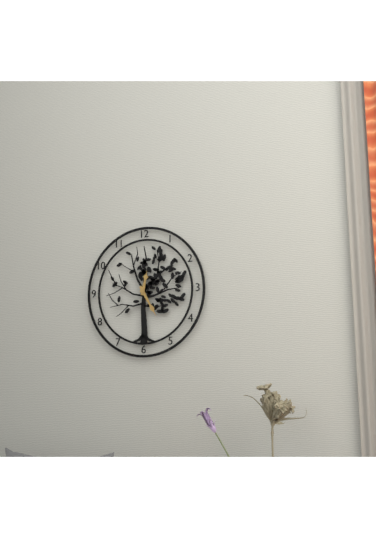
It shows 12,25
